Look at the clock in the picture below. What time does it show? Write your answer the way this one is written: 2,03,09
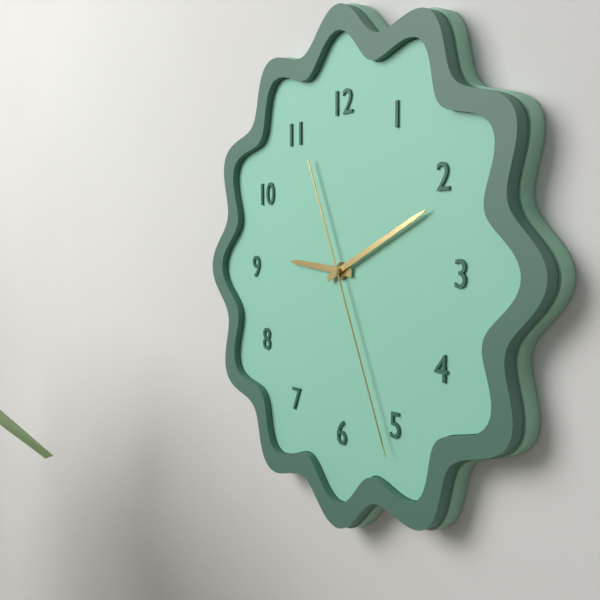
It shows 9,11,26
